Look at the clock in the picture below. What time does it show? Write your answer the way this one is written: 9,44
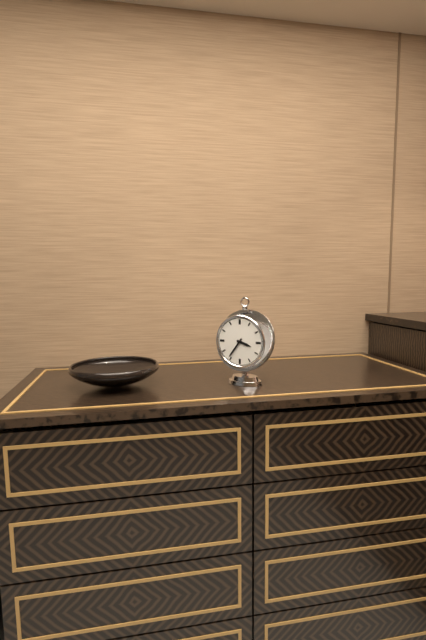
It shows 3,36
